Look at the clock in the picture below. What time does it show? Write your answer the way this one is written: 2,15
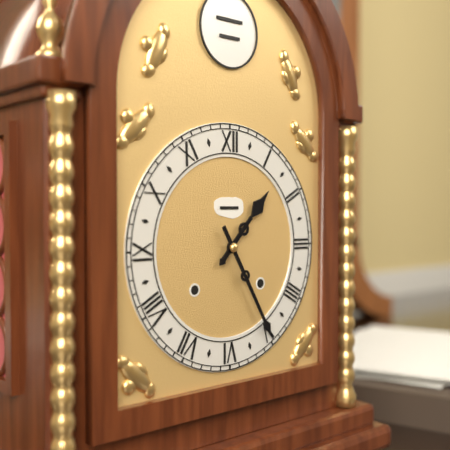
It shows 1,25
